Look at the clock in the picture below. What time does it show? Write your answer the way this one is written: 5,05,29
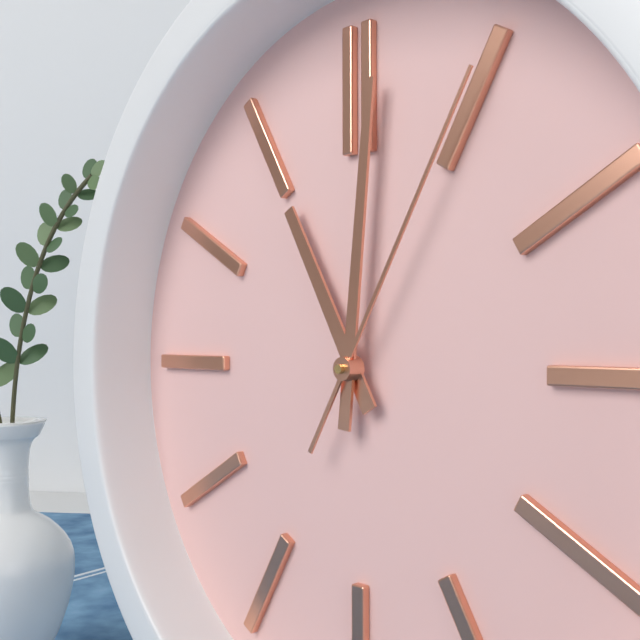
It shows 11,01,05
